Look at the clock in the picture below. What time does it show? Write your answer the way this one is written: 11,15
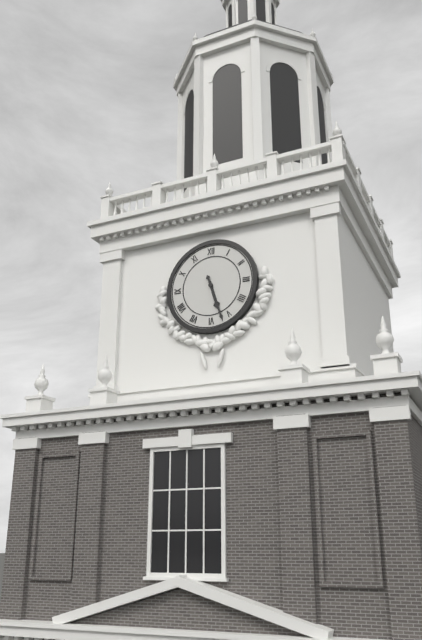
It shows 5,27
